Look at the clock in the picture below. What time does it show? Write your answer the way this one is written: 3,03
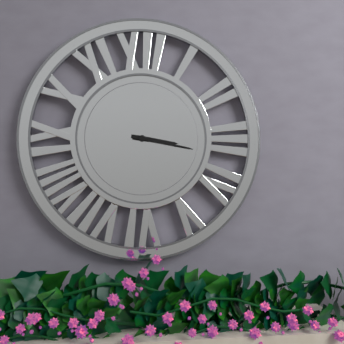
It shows 3,17
